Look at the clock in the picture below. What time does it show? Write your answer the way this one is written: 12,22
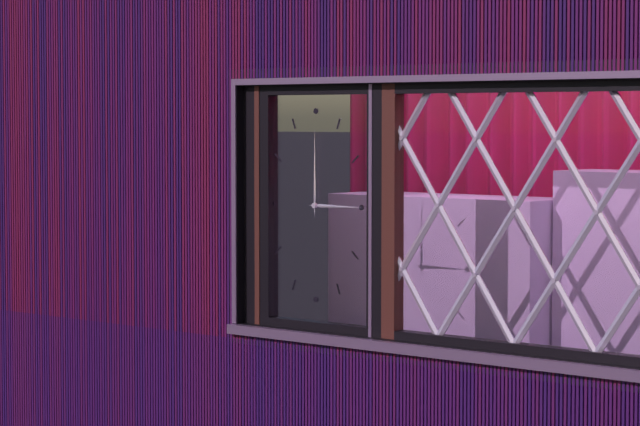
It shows 3,00
